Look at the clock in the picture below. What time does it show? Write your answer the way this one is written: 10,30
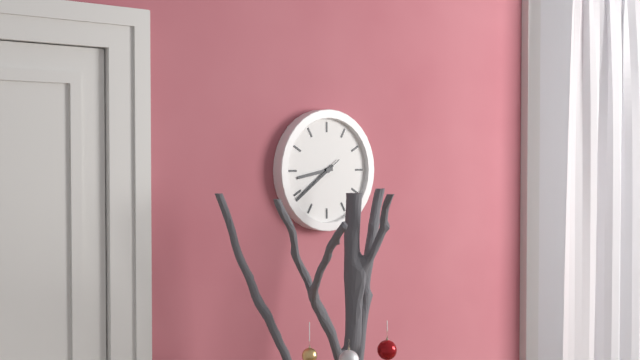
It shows 8,39
